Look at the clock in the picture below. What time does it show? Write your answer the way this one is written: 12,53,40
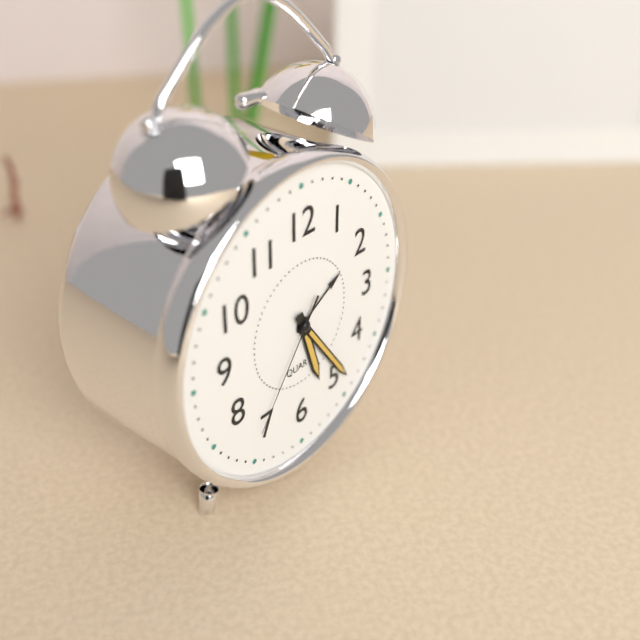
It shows 5,24,36
